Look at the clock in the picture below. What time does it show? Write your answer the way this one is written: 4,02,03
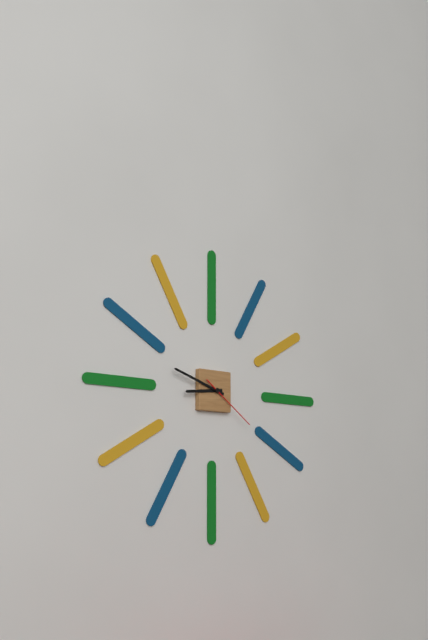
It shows 8,48,21
